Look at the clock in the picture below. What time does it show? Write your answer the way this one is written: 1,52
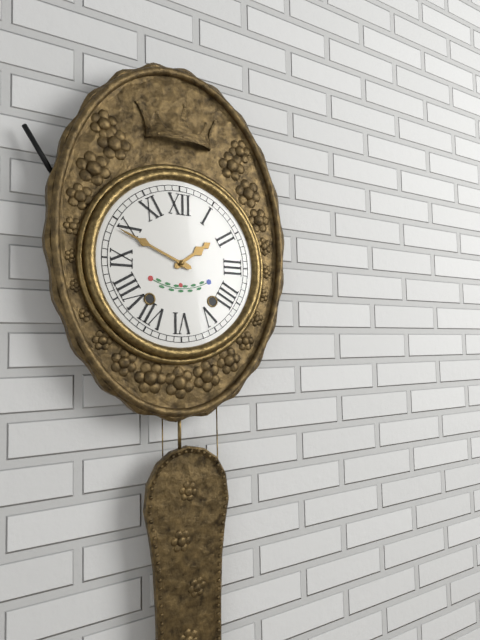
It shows 1,49
